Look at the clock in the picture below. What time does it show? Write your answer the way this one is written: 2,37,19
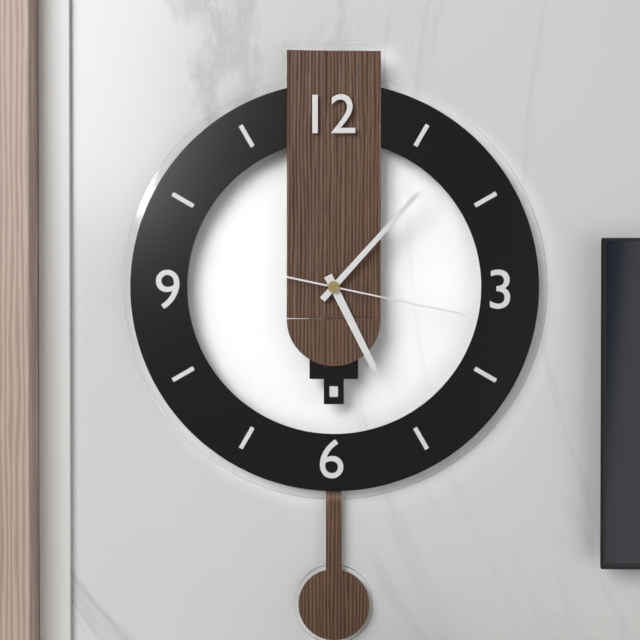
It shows 5,07,17
